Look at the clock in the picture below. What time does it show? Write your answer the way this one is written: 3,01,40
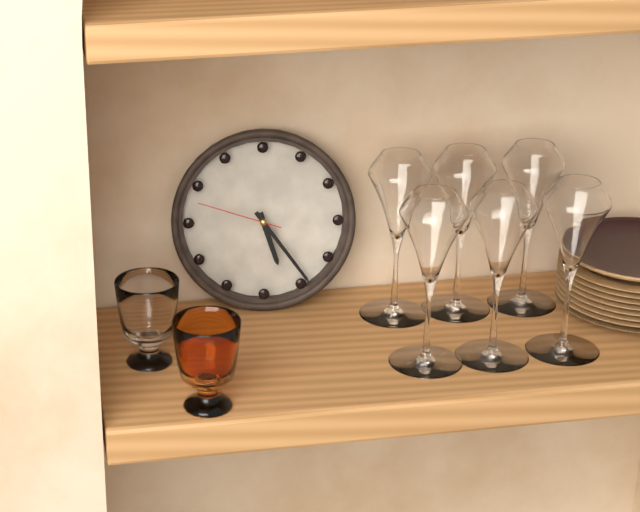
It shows 5,24,48
